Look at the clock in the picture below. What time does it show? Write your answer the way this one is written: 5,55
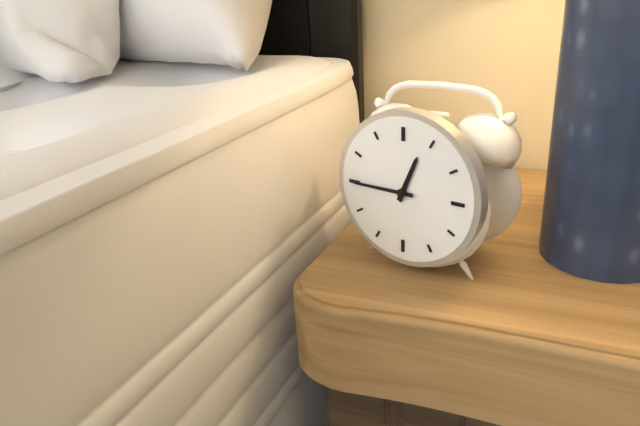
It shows 12,45
